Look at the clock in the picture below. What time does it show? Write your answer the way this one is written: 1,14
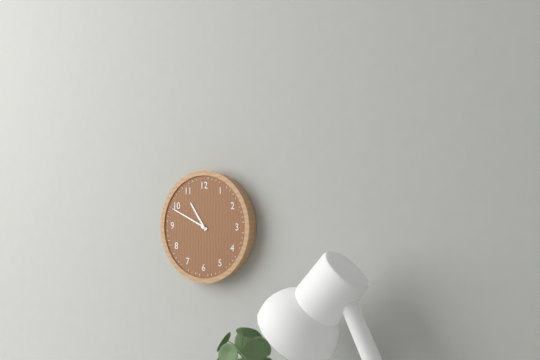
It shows 10,49
